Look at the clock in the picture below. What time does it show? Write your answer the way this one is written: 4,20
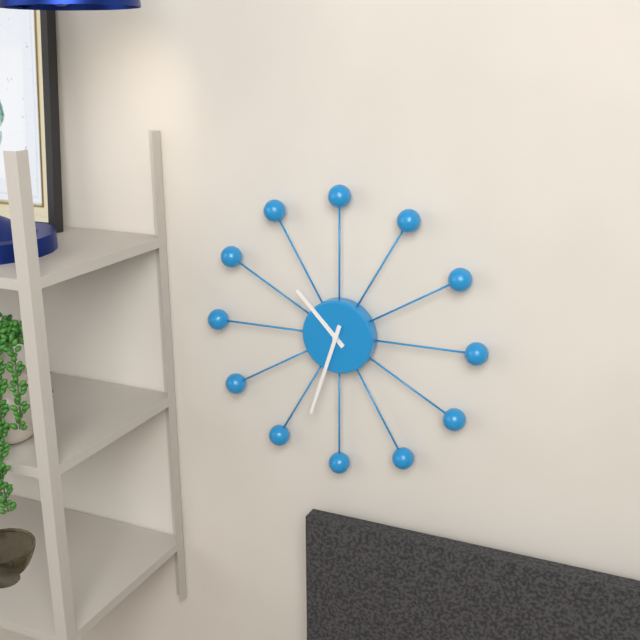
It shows 10,33
